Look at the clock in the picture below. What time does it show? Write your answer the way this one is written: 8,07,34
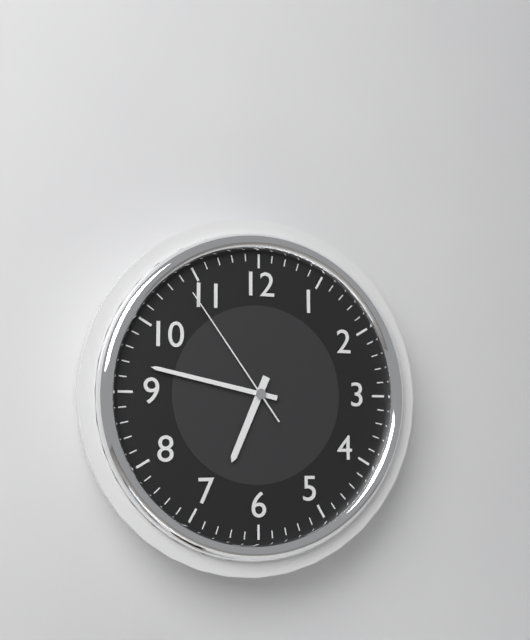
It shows 6,47,54
